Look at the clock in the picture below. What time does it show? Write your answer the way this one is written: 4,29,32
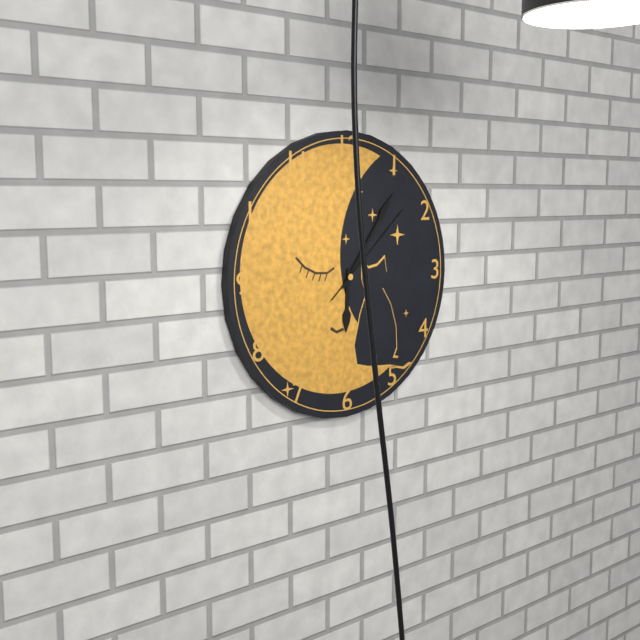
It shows 6,06,08
